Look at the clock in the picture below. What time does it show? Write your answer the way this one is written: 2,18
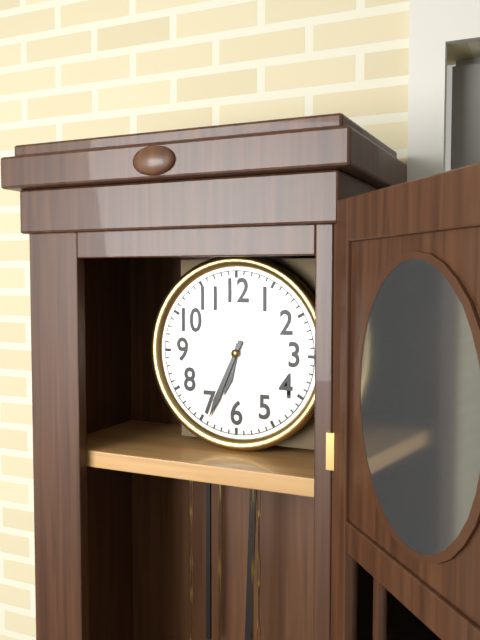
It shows 6,34
